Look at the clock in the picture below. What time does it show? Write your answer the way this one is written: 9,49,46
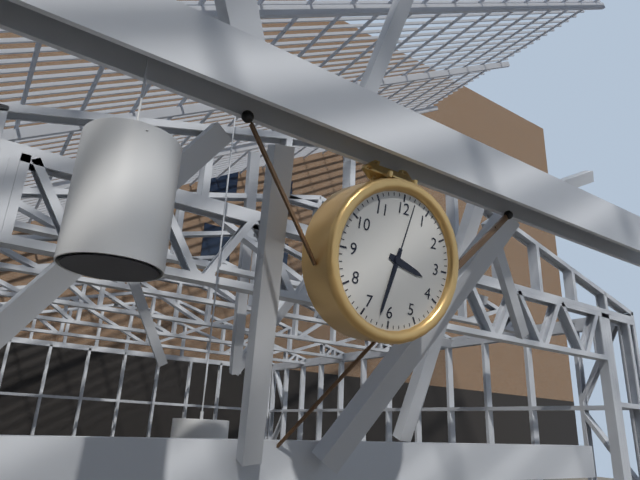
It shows 3,32,02
